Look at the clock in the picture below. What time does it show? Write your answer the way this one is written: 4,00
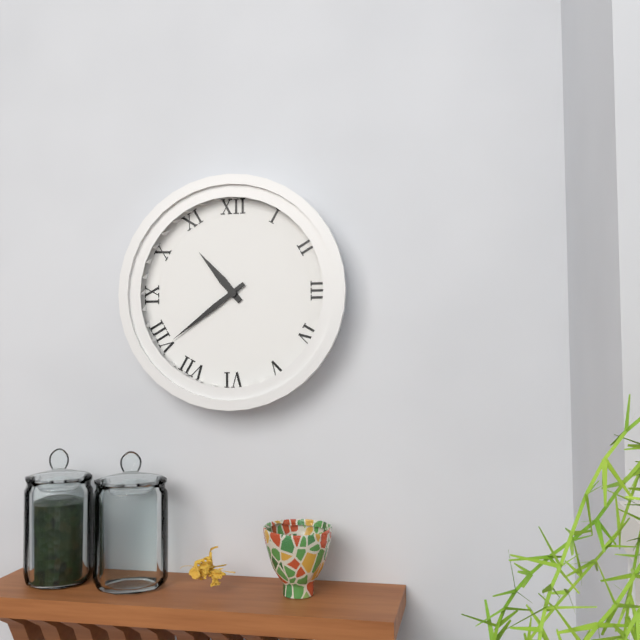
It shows 10,39
